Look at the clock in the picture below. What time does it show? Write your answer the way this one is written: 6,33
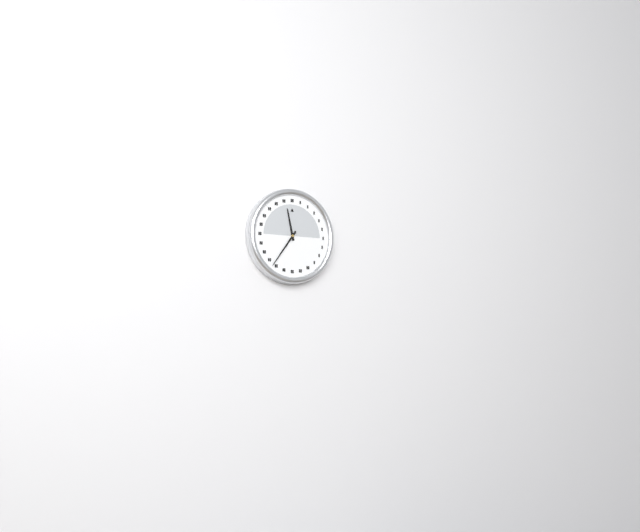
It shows 11,36
